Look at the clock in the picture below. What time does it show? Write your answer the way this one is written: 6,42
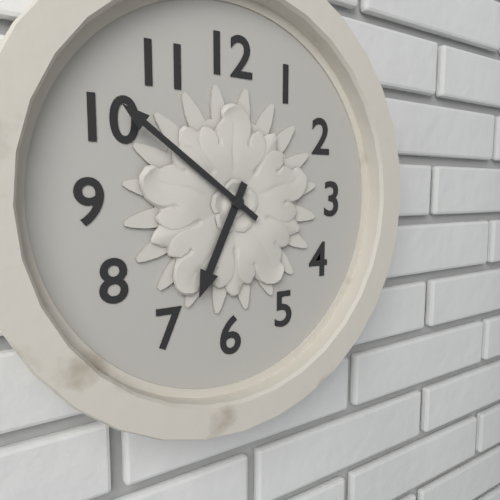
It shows 6,51
